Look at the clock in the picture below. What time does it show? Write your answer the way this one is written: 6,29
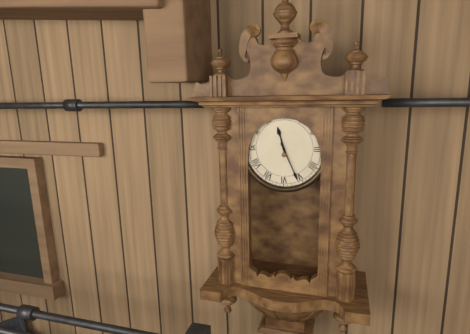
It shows 11,26
